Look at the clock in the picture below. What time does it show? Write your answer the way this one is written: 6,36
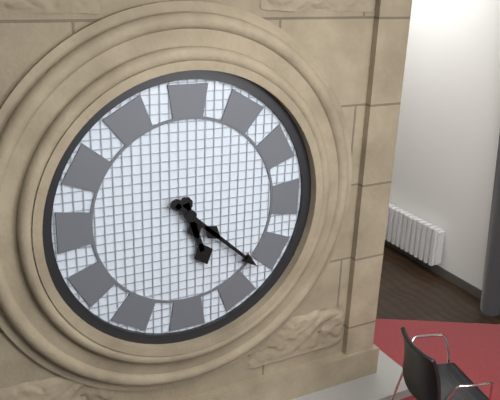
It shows 5,22
